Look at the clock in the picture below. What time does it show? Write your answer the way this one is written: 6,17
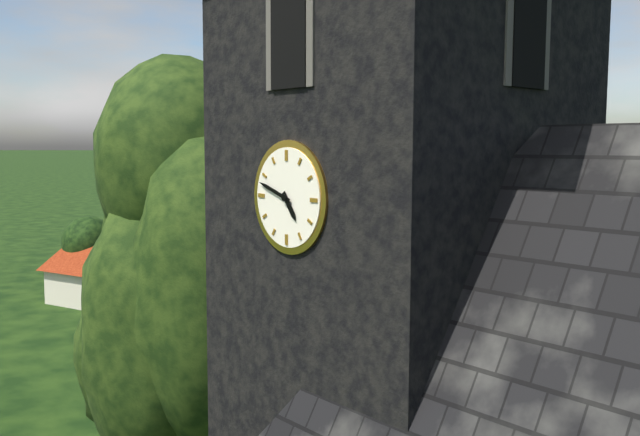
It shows 4,48
